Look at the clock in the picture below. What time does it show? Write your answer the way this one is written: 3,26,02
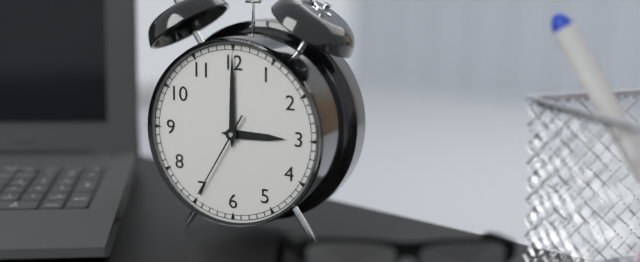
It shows 3,00,35
